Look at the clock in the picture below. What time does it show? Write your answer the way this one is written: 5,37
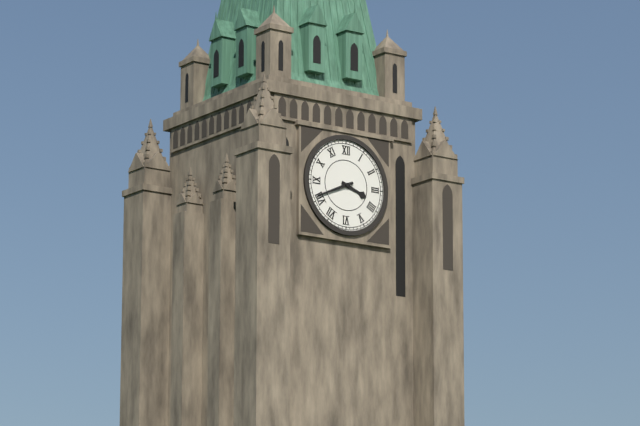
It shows 3,41
